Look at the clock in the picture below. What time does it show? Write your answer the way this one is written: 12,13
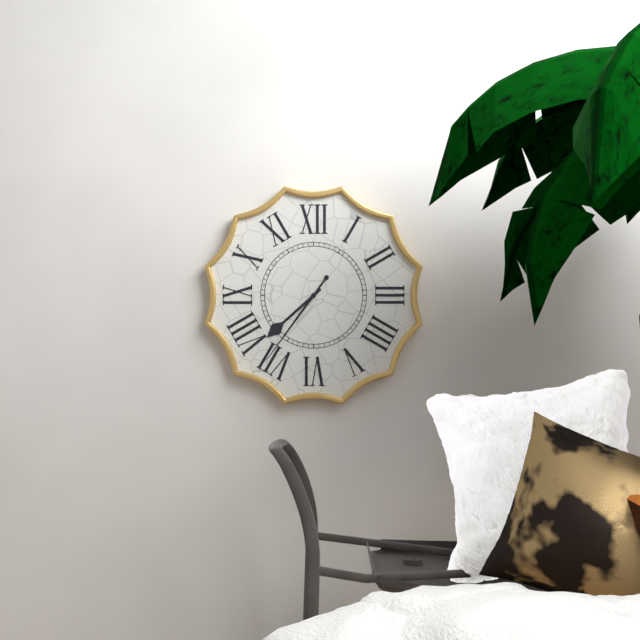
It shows 7,36
